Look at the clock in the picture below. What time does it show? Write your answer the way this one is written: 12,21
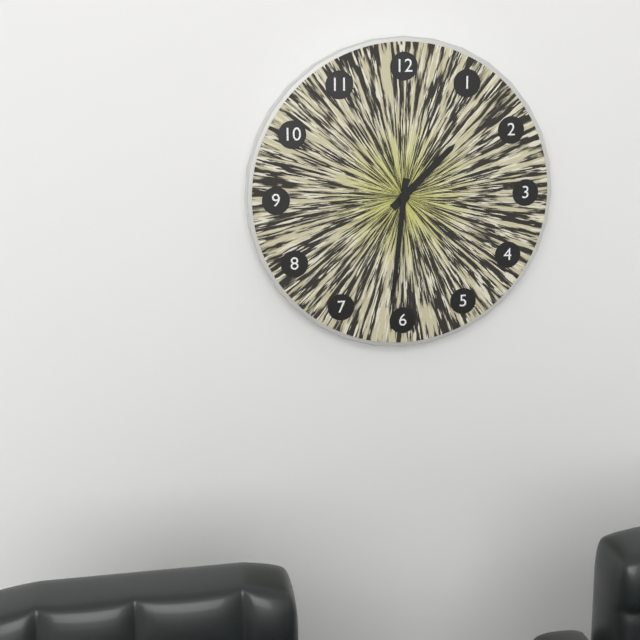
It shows 1,31
